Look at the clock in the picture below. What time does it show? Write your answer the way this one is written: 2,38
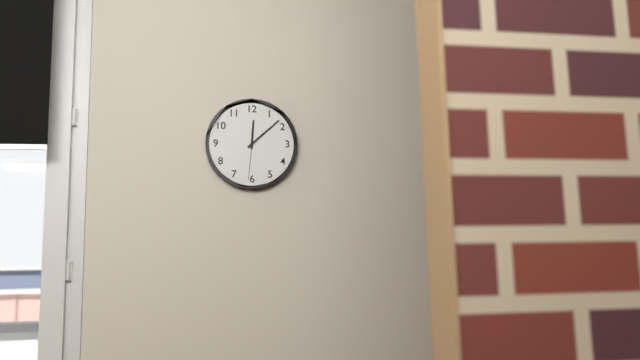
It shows 12,08
